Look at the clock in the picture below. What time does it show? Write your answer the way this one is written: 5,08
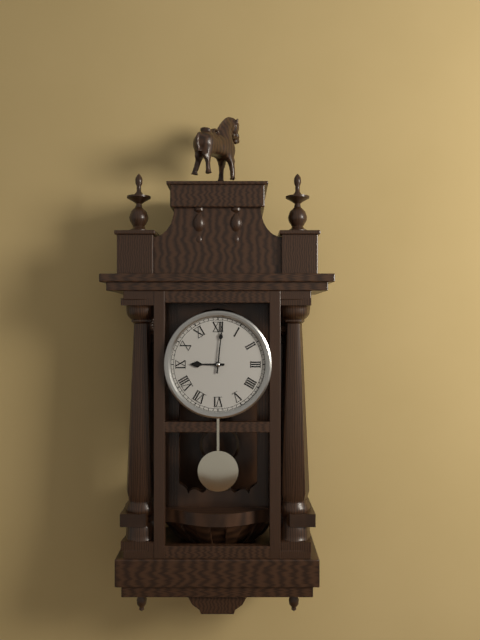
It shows 9,01
